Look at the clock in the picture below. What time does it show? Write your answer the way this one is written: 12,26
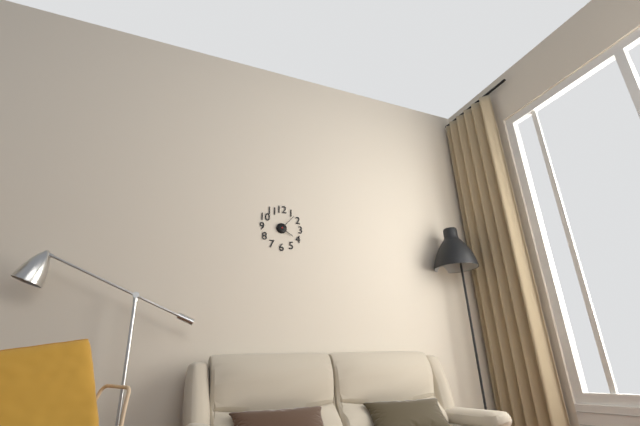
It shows 4,07
